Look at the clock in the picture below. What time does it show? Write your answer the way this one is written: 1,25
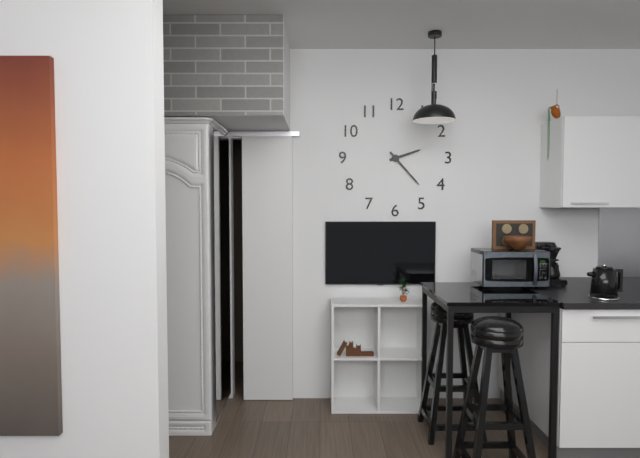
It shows 2,23
